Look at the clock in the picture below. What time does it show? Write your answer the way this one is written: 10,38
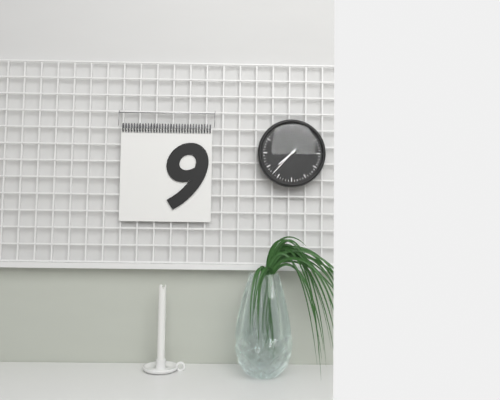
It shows 7,37
